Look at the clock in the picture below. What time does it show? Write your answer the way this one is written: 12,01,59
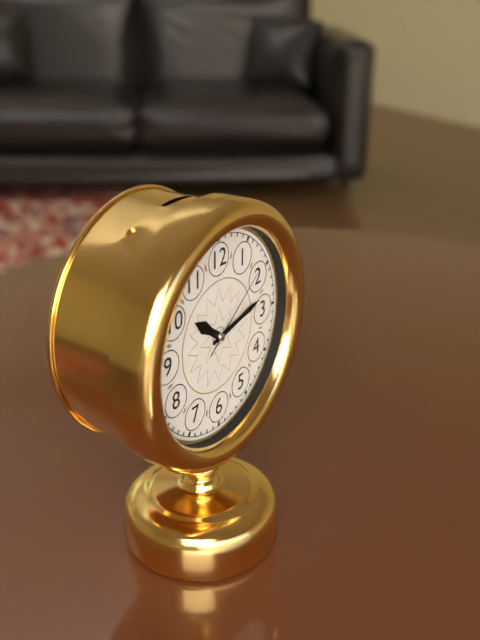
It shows 10,13,09
